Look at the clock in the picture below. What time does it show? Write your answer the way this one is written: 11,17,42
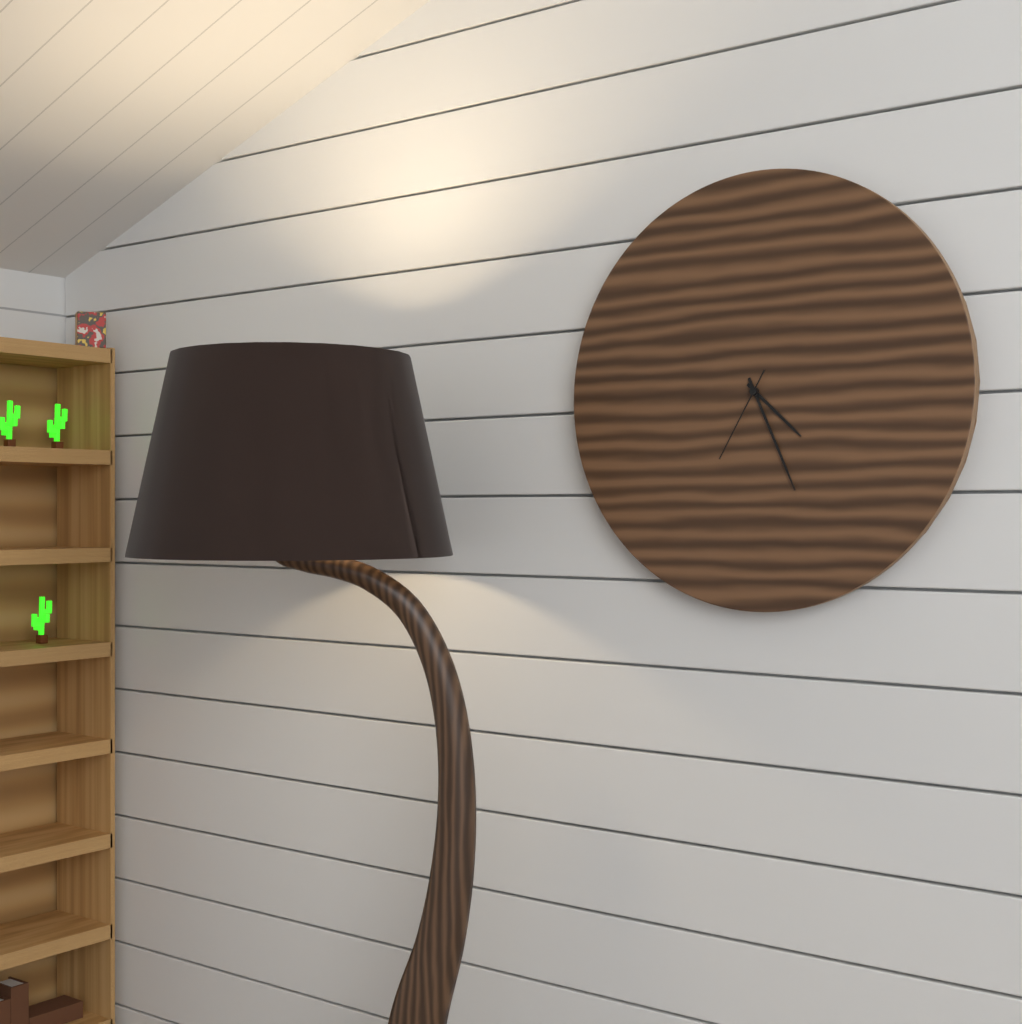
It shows 4,26,35
